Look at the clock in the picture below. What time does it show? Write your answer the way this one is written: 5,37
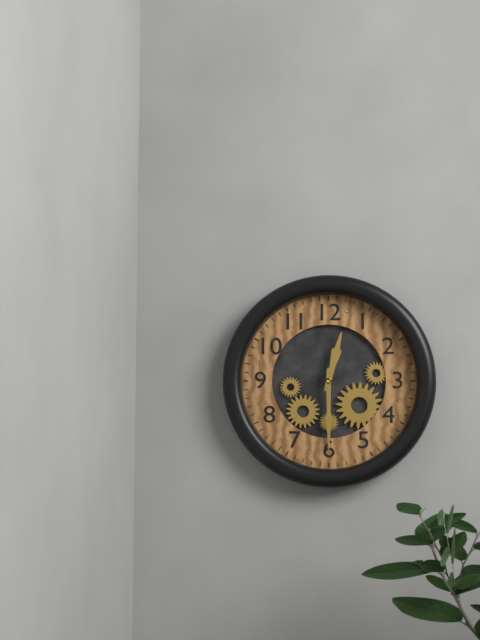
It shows 12,30
